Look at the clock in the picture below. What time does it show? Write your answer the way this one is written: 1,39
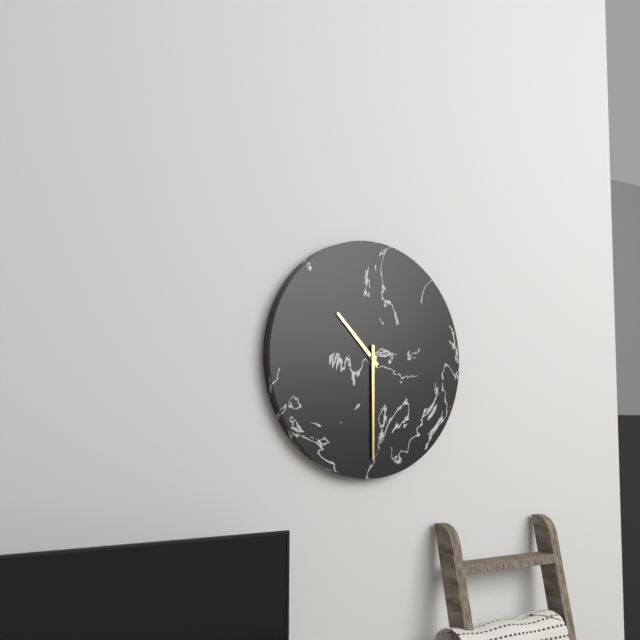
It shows 10,30
